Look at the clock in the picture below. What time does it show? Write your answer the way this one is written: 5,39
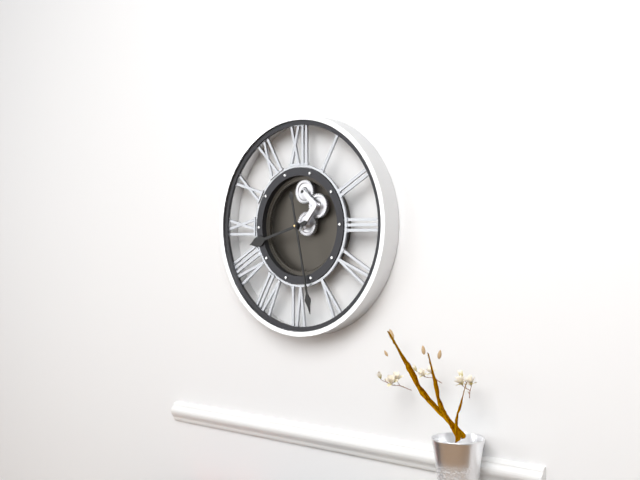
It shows 8,28
